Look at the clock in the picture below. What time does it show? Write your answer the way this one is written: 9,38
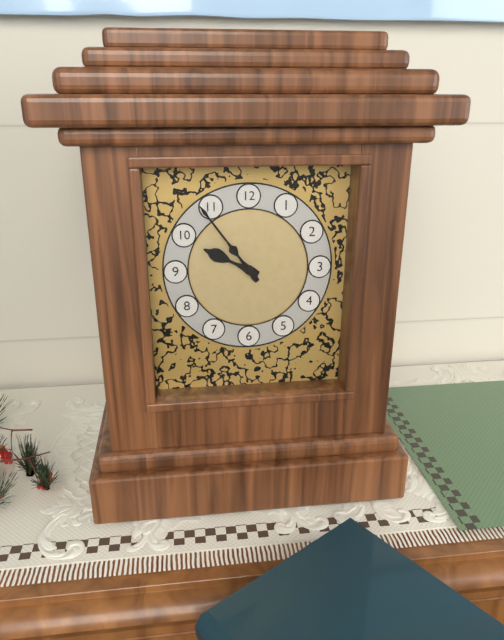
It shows 9,54
